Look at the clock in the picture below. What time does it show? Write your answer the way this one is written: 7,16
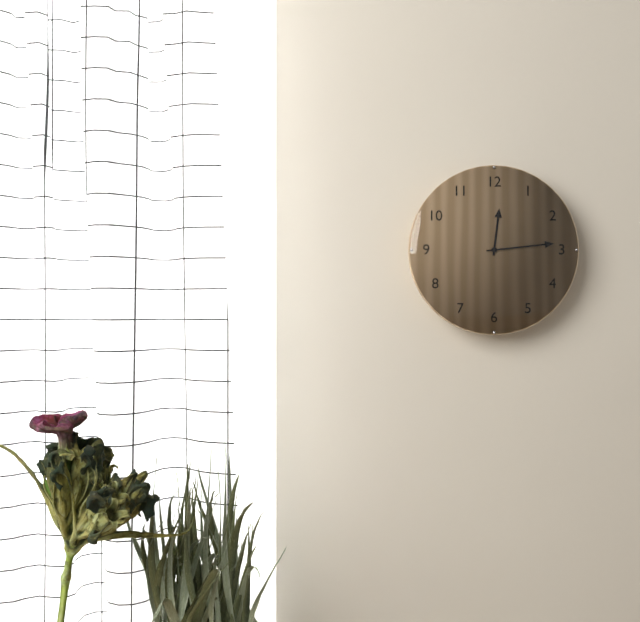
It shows 12,14
